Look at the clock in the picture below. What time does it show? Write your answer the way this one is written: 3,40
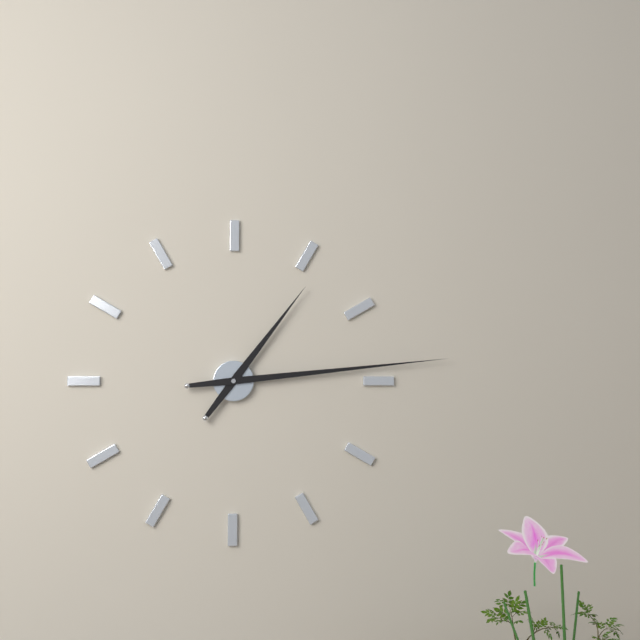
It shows 1,14
